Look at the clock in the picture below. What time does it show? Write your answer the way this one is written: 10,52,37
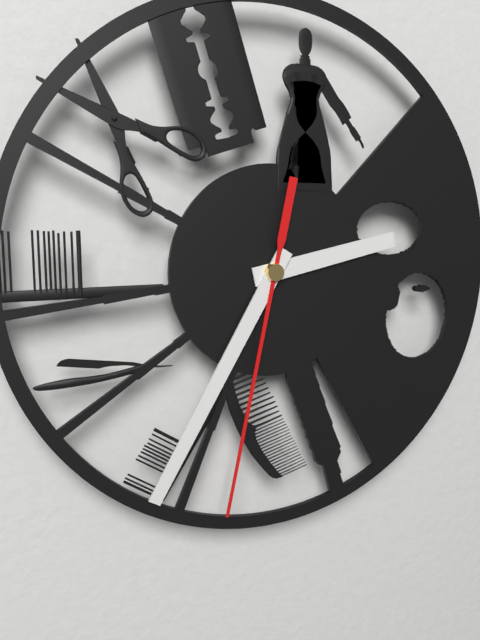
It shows 2,35,32
